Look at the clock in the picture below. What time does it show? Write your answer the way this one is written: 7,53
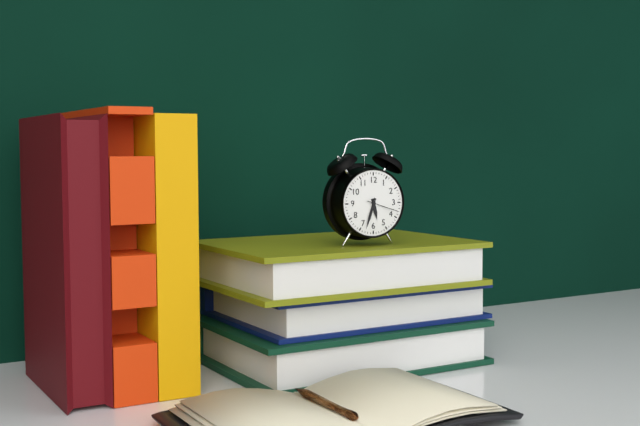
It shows 5,33
